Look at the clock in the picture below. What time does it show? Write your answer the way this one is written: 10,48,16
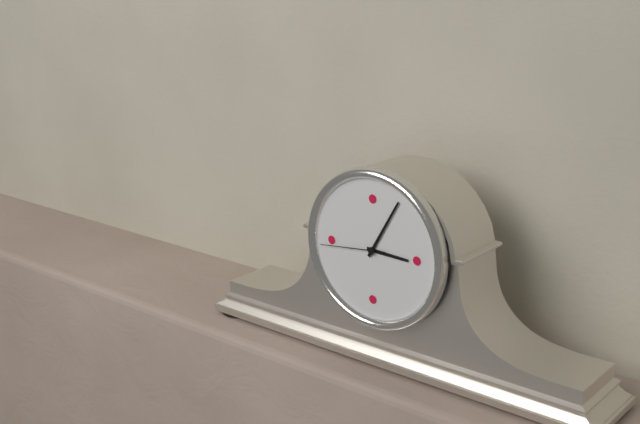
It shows 3,05,44
